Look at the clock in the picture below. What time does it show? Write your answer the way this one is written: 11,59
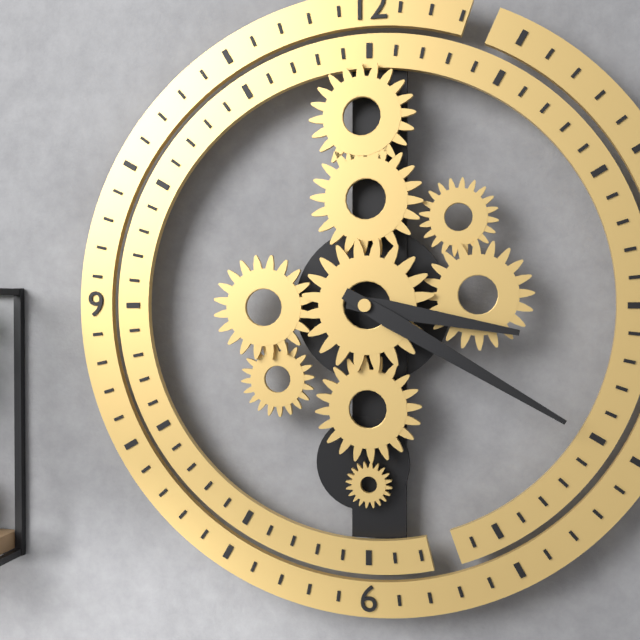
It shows 3,20
